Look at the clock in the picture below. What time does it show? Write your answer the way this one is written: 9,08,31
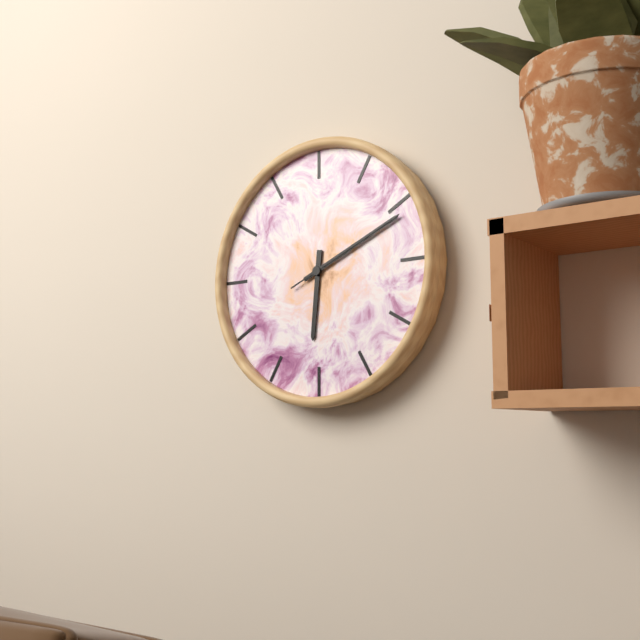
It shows 6,11,11
